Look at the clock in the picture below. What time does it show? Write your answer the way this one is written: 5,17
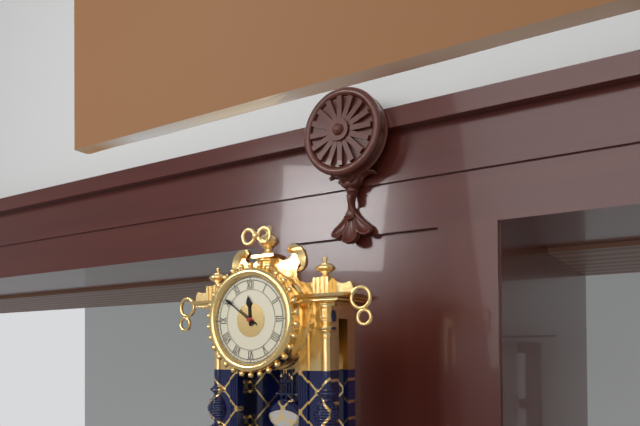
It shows 11,51
